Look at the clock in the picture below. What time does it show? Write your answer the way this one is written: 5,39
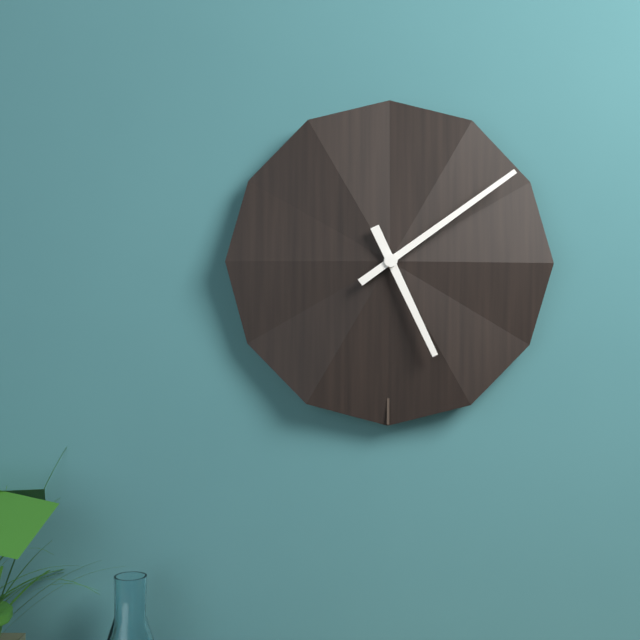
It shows 5,09
